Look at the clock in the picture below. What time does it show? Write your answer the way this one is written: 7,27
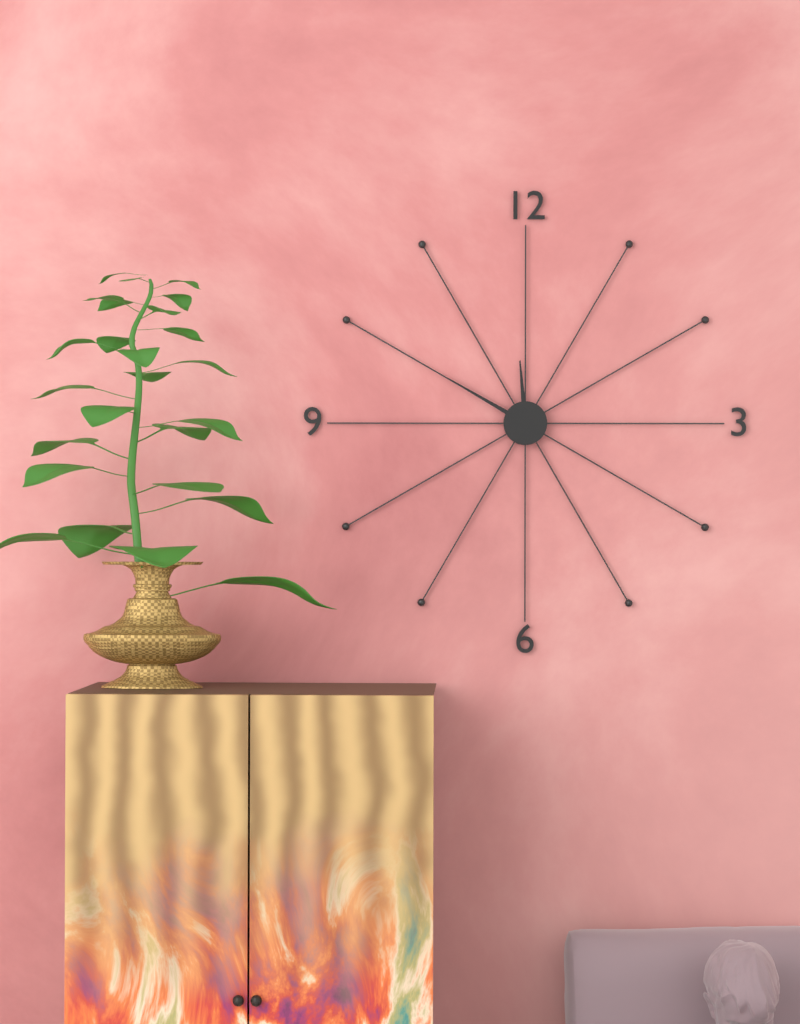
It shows 11,50
